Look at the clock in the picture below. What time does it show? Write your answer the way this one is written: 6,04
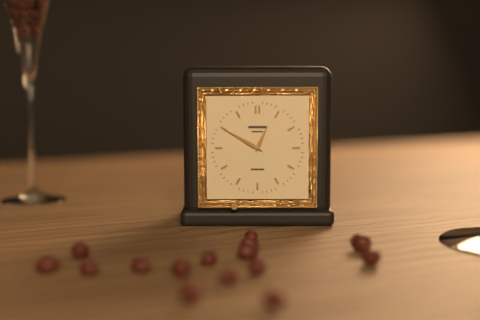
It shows 12,50
